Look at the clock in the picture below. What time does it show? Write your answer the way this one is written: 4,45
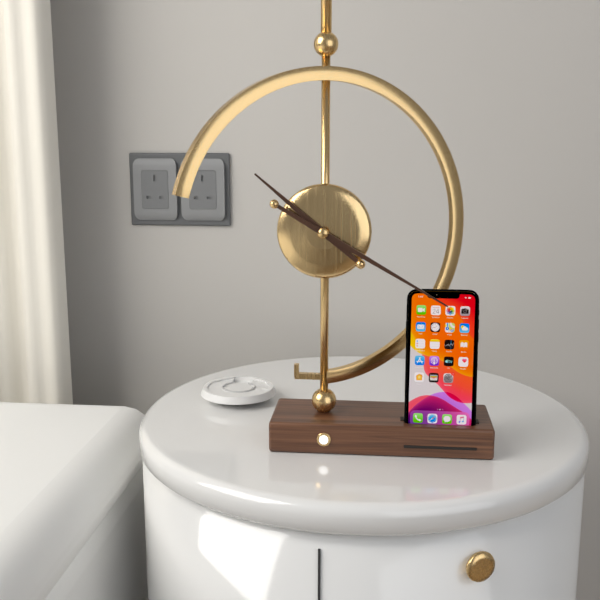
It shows 10,20
